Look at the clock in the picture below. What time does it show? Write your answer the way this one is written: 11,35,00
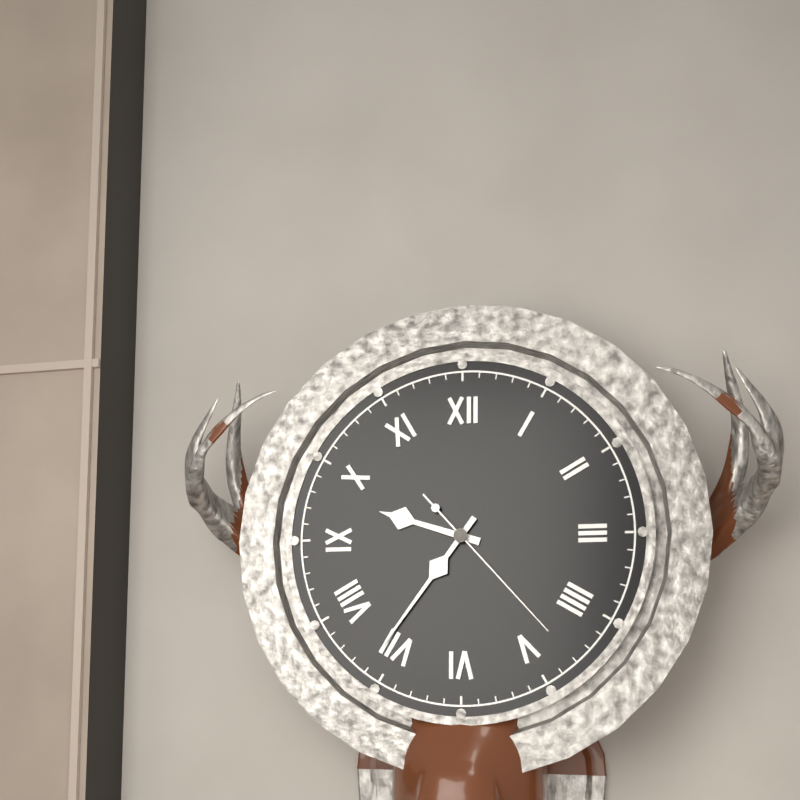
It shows 9,36,23
